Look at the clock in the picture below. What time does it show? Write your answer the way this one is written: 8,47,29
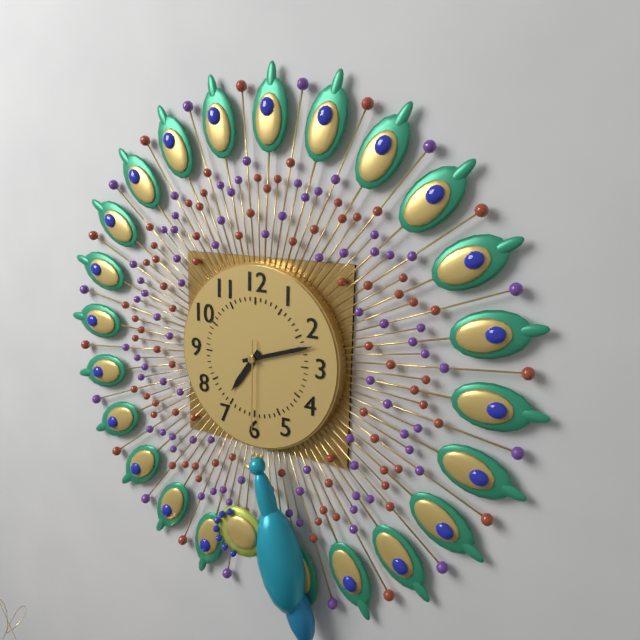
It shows 7,12,30
